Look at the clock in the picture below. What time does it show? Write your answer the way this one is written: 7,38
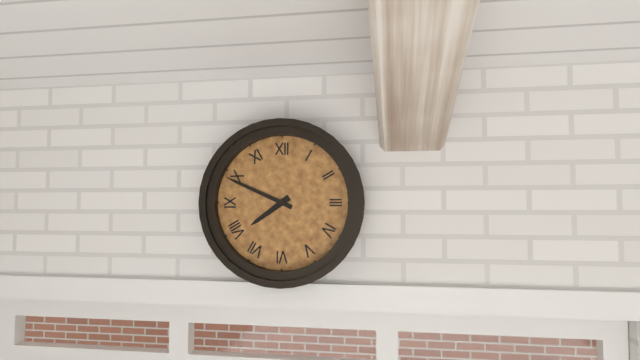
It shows 7,49
